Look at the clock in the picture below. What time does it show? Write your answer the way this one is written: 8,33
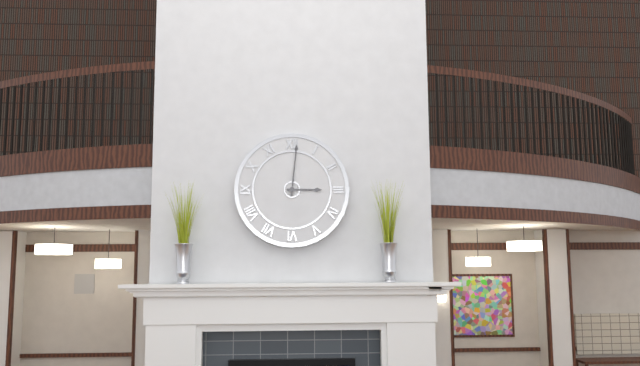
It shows 3,01
